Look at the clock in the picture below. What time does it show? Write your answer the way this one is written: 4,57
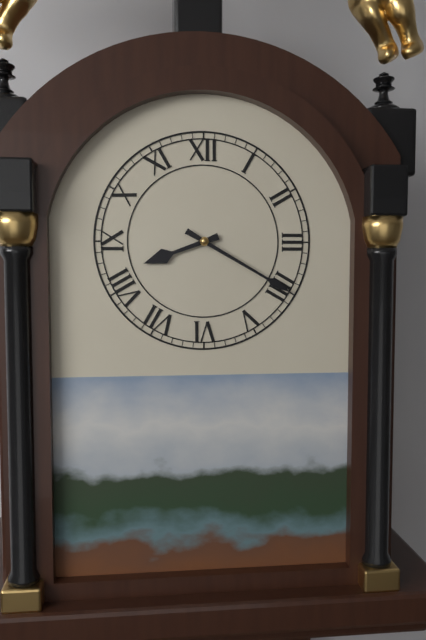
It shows 8,20
